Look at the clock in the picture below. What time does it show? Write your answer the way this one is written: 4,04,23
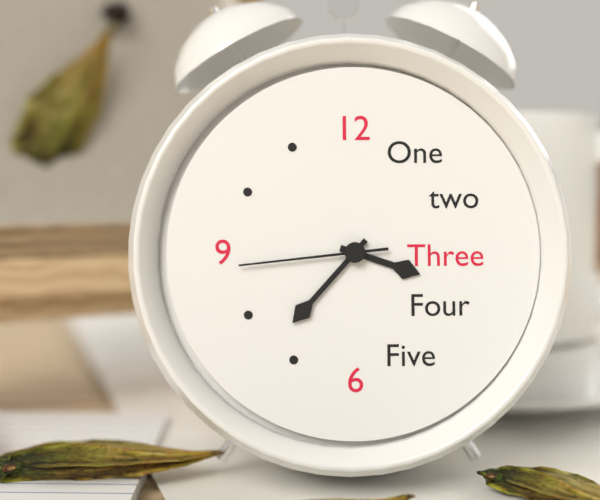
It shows 3,37,44
